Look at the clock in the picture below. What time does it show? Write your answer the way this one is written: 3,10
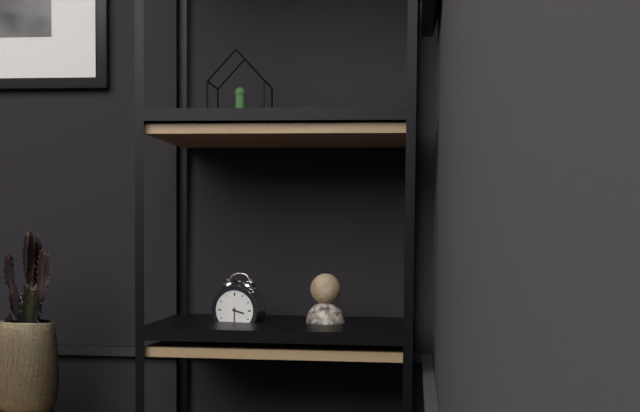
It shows 3,30
